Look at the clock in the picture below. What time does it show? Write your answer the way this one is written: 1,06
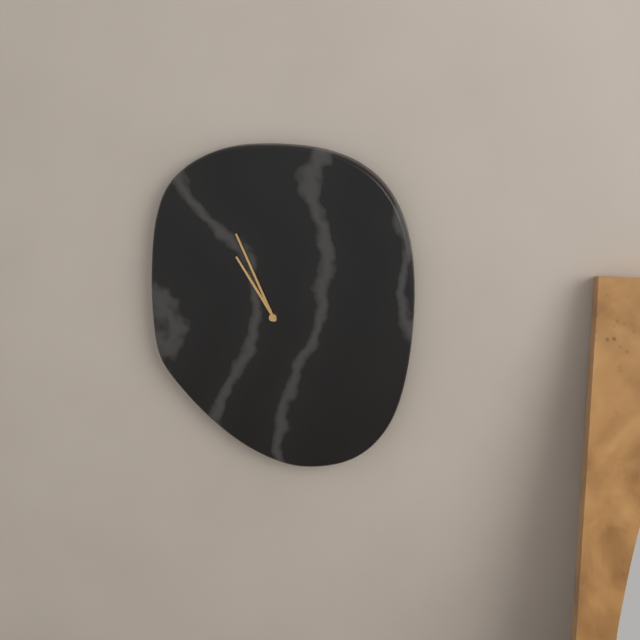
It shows 10,56
